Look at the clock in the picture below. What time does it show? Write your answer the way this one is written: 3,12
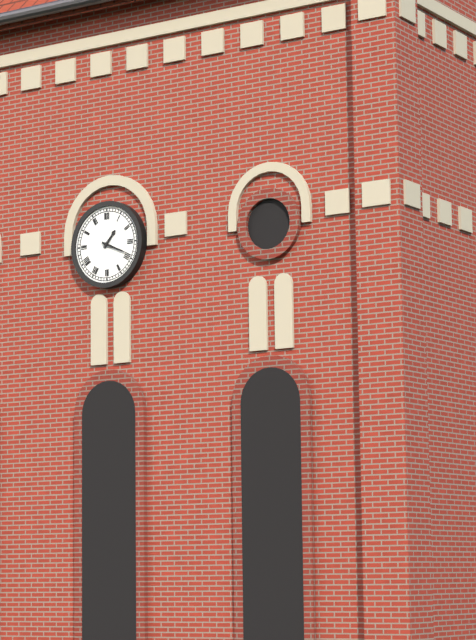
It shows 1,19
